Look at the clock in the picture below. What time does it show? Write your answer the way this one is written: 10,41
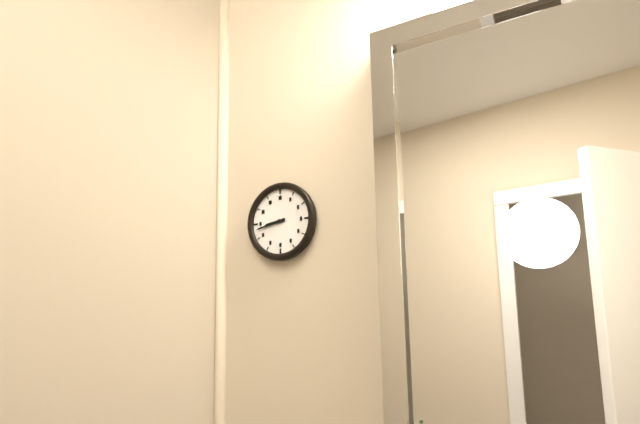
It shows 8,43
